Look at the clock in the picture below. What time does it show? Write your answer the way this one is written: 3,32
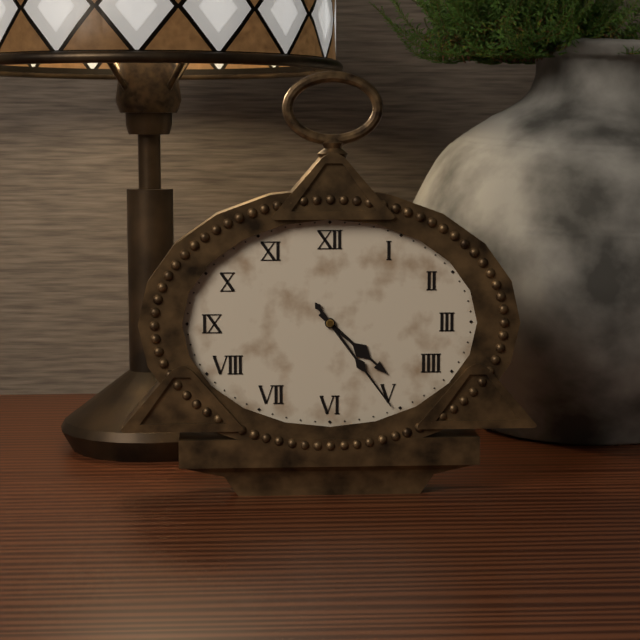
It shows 4,24
